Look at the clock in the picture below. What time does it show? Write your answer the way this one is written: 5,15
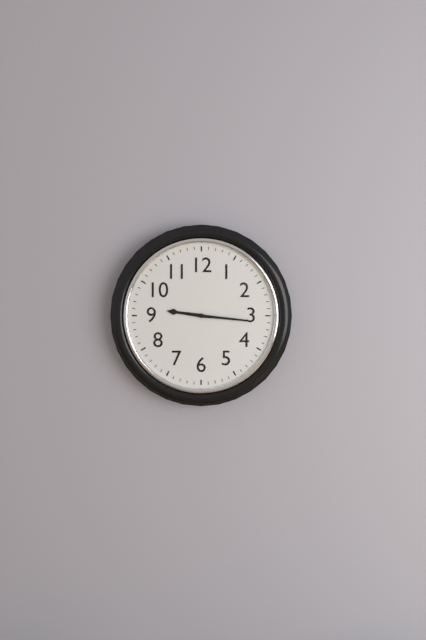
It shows 9,16
